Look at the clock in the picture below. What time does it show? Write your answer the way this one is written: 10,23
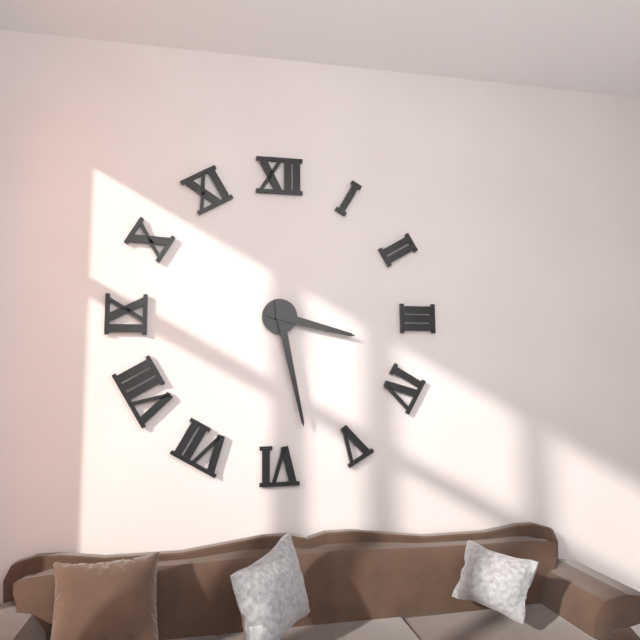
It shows 3,28
